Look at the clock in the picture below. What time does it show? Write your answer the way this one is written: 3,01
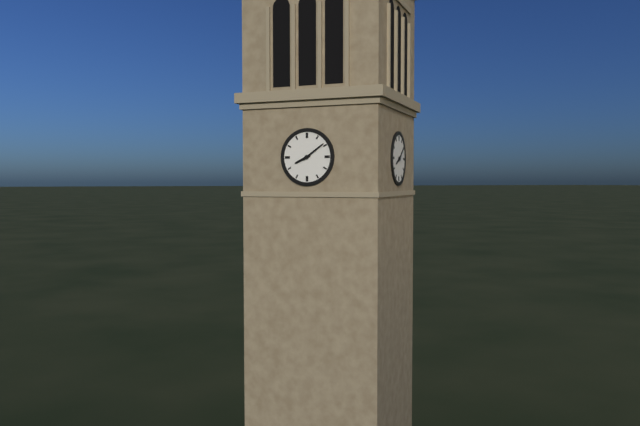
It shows 8,09
